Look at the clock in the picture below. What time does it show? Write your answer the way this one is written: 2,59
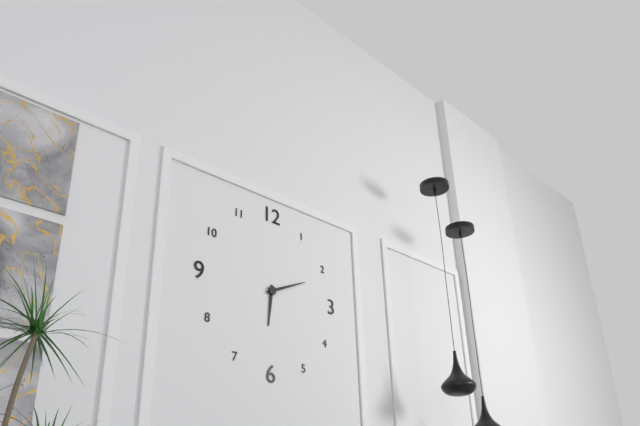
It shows 6,11
